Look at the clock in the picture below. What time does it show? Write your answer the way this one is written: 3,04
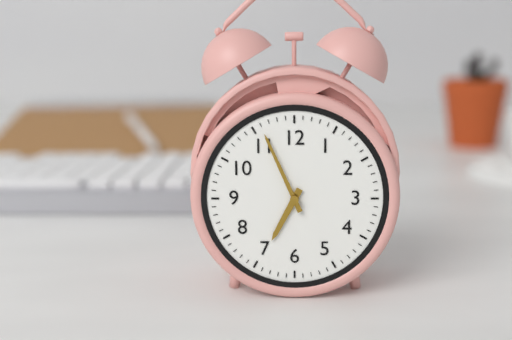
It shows 6,56
